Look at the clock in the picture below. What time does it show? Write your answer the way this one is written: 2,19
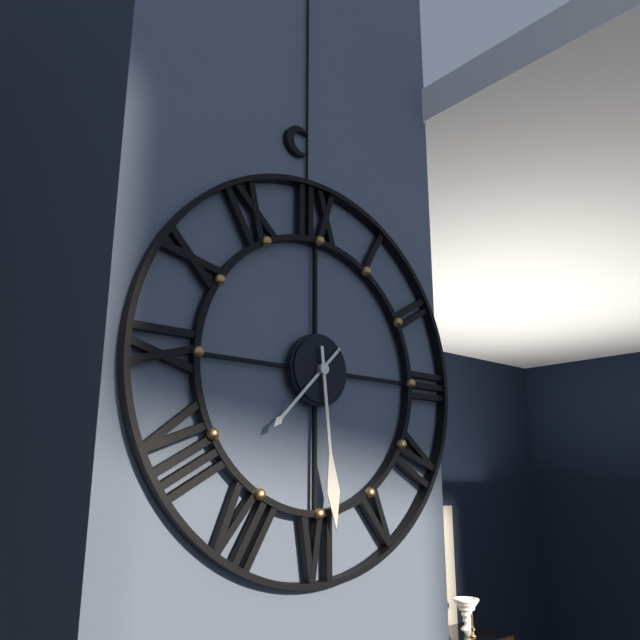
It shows 7,29
